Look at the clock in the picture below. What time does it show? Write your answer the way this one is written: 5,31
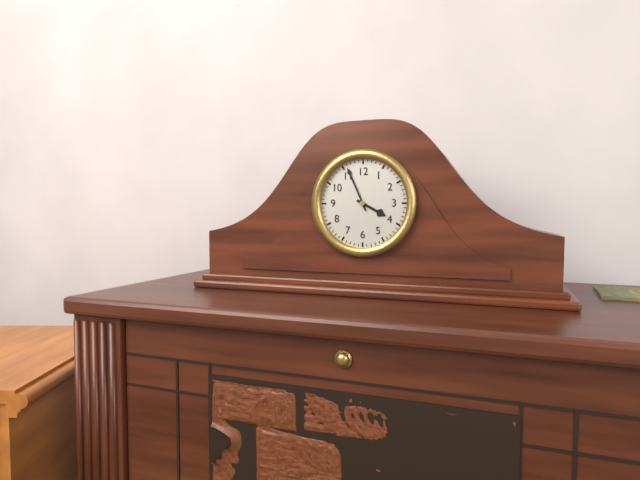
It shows 3,56
